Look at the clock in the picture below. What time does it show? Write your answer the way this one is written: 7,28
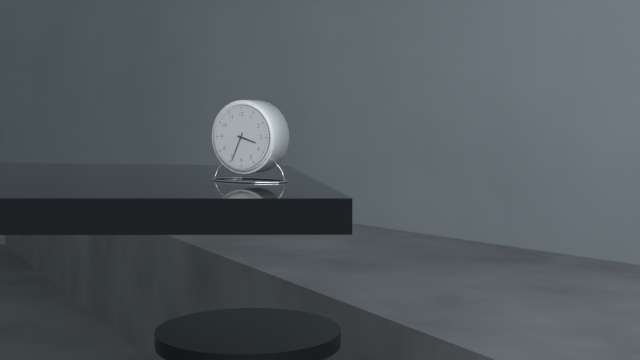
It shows 3,34
